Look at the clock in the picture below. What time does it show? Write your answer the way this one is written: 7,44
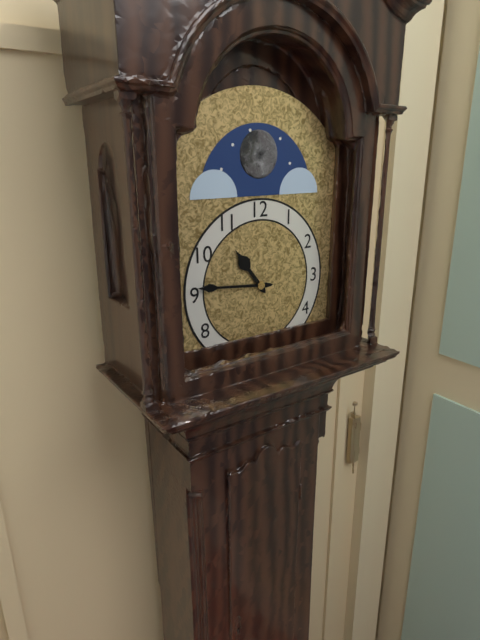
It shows 10,46
